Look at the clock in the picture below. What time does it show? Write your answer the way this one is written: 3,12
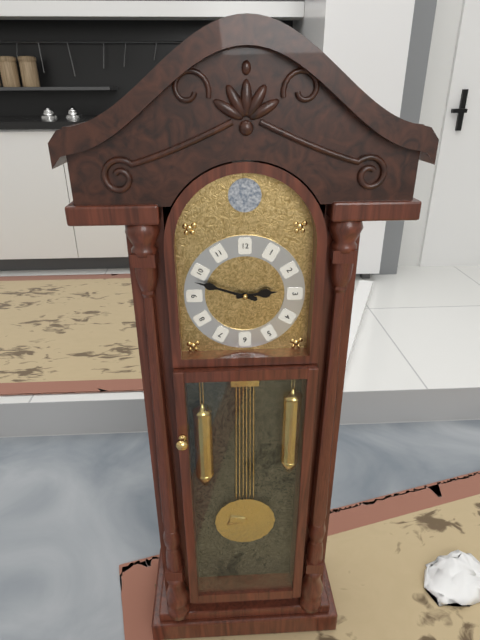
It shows 2,48
